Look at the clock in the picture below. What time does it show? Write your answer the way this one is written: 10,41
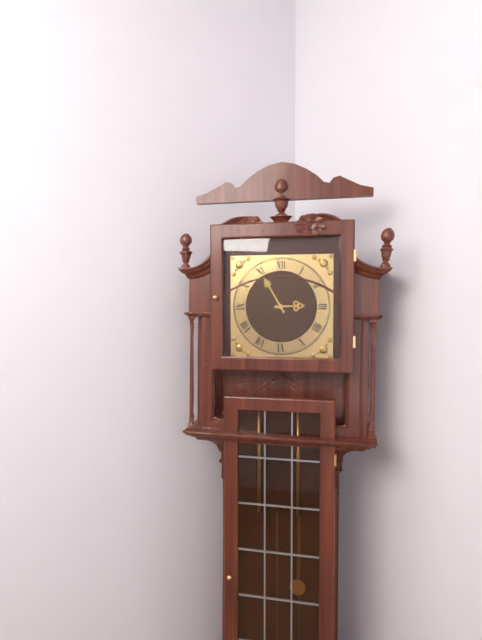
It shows 2,55
